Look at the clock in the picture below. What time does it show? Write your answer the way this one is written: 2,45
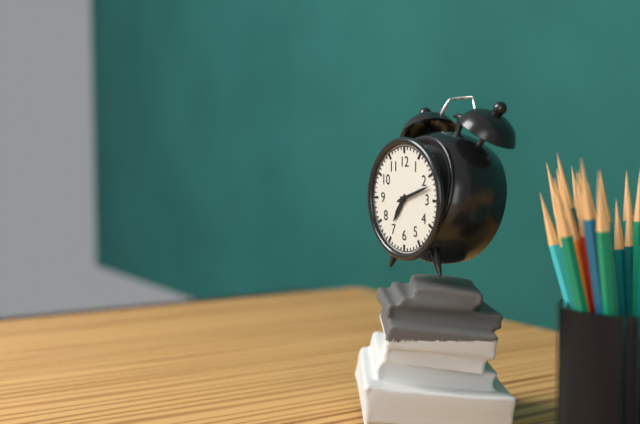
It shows 7,12
